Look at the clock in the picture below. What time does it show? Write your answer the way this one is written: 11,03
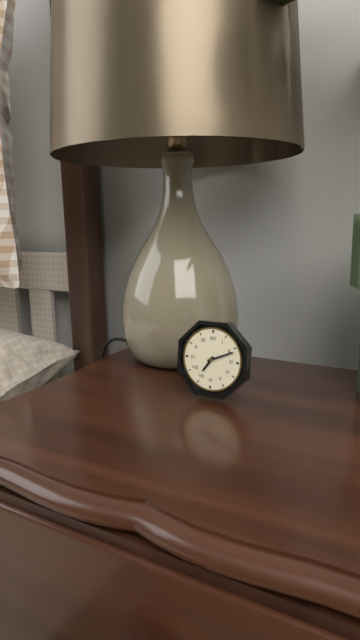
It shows 7,11
